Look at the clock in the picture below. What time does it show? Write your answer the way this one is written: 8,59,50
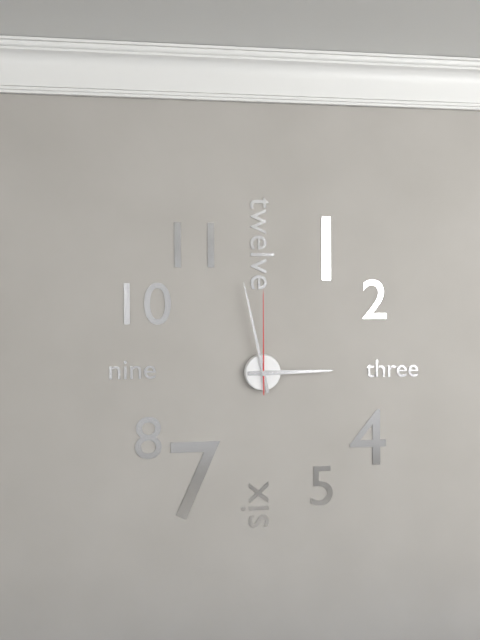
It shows 2,58,00
